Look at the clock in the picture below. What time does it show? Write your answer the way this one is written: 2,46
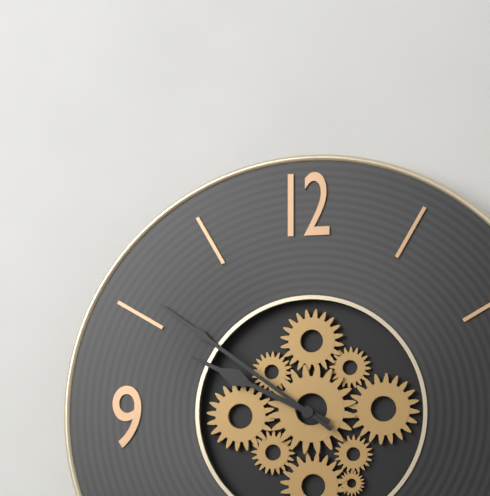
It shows 9,51
